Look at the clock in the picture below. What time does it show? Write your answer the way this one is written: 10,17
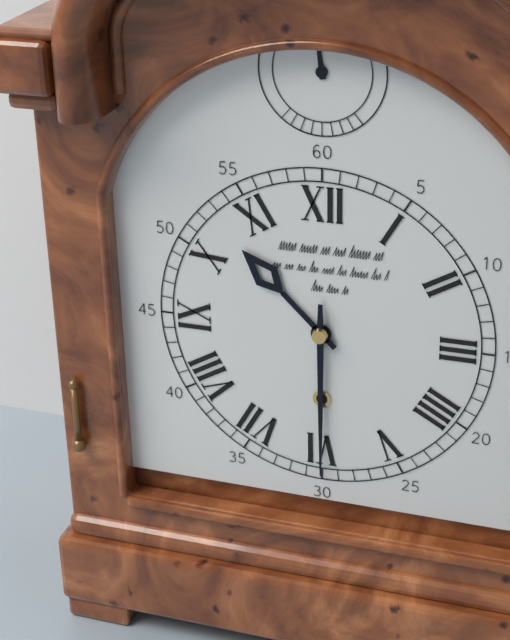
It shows 10,30
